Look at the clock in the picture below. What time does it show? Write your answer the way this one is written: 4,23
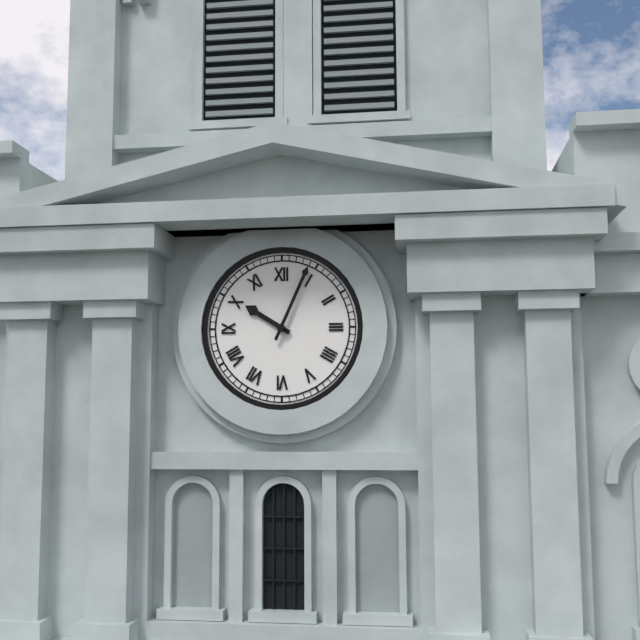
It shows 10,04
